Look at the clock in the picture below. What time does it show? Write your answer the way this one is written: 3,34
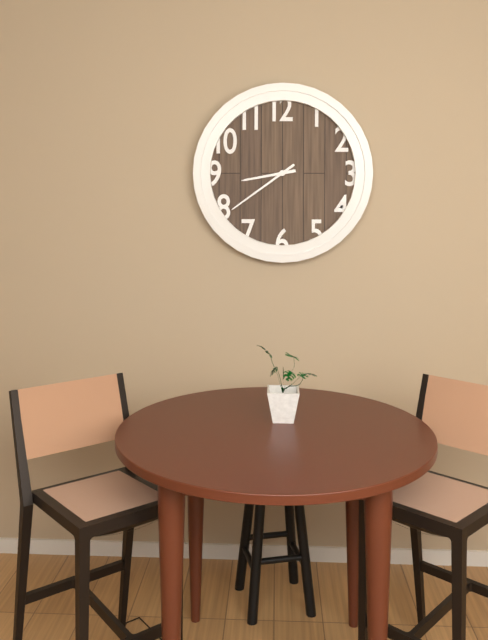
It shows 8,39
